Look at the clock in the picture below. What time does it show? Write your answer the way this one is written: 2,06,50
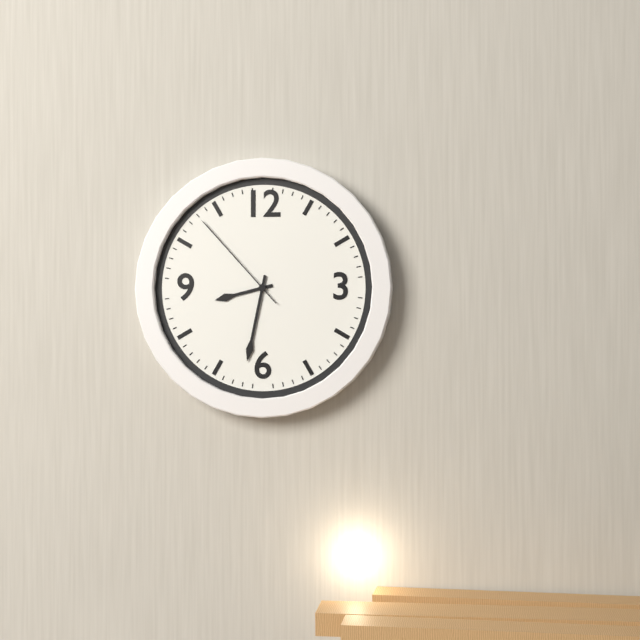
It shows 8,32,53
